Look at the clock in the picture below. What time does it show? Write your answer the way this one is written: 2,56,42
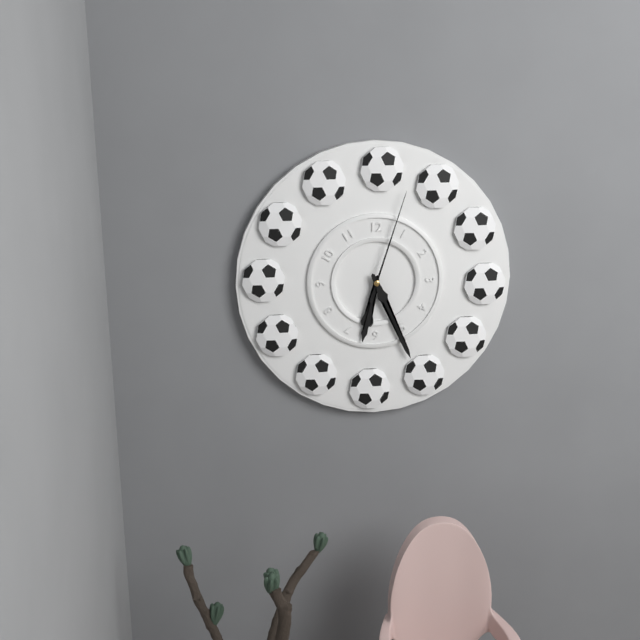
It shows 6,26,03
